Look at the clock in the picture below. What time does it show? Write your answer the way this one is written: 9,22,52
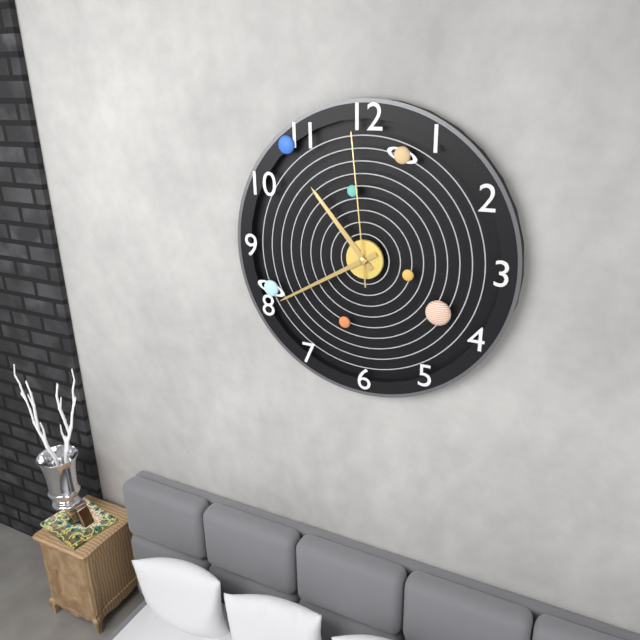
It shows 10,40,59
